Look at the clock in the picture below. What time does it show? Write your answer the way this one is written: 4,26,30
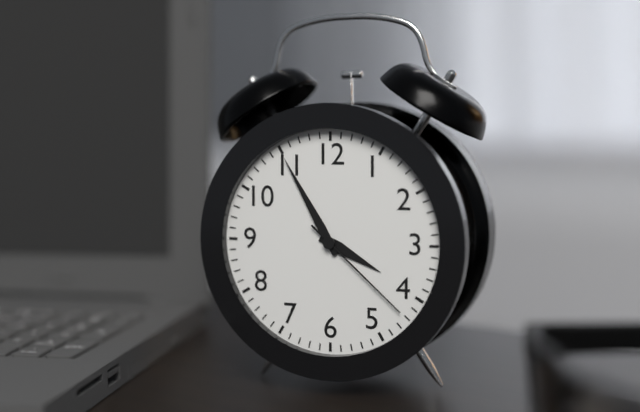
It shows 3,55,22
